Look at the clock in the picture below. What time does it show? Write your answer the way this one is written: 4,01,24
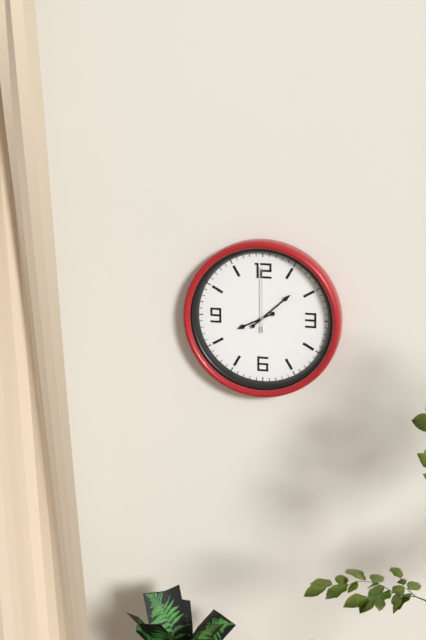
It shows 8,08,00
